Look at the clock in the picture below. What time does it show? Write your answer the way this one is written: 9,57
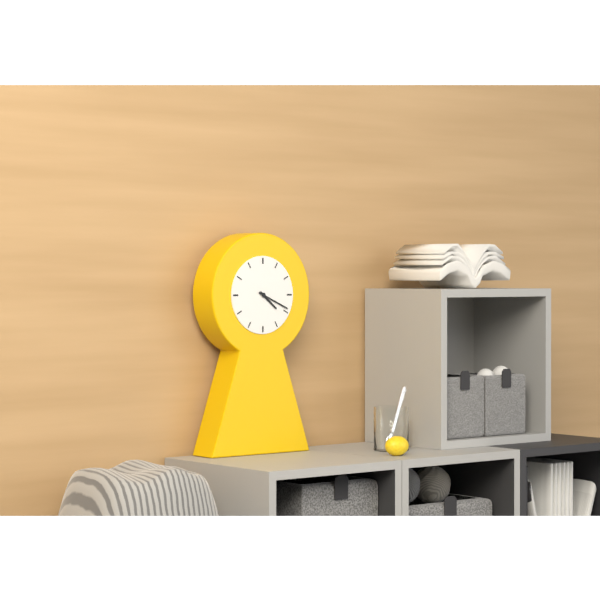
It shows 4,19
